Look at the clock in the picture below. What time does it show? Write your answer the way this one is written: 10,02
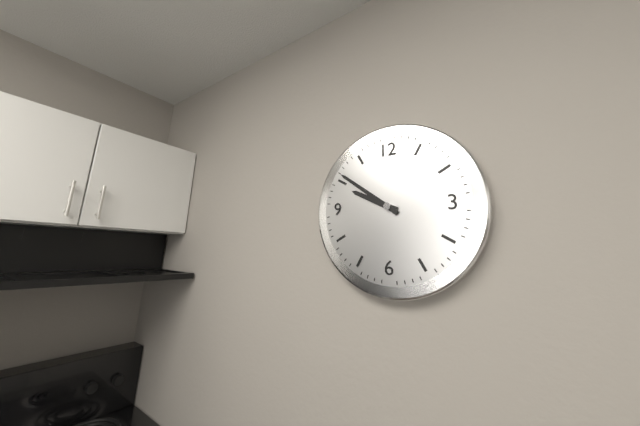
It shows 9,51
